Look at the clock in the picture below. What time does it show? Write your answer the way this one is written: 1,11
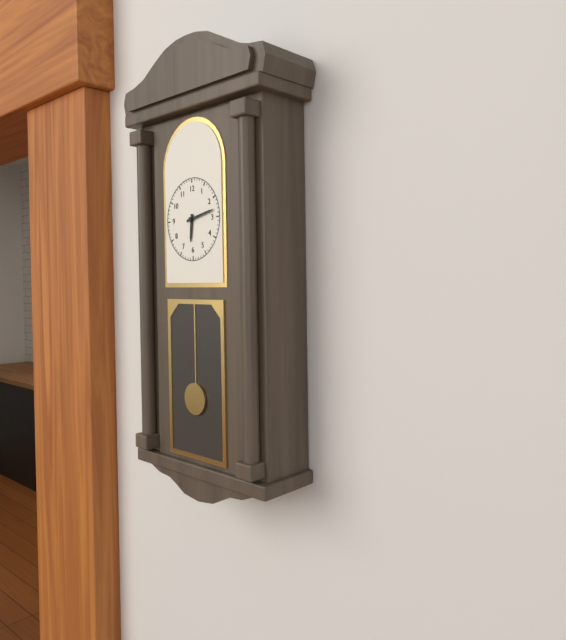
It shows 6,13
